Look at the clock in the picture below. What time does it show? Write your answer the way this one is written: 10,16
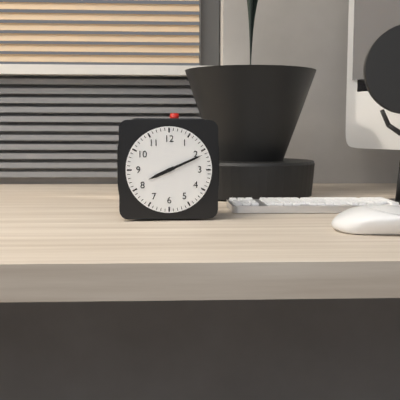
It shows 8,11
